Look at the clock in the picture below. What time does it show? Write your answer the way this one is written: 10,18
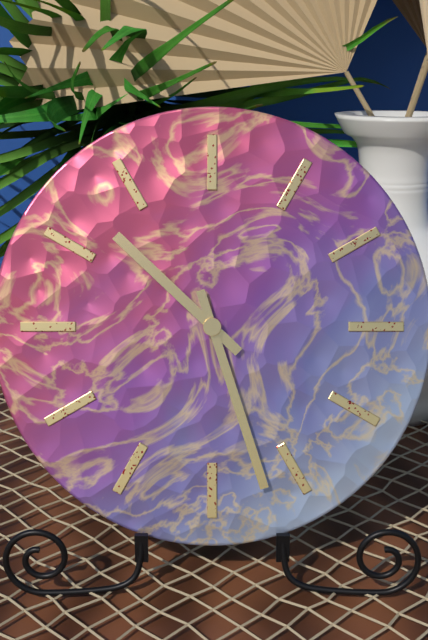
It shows 10,27
